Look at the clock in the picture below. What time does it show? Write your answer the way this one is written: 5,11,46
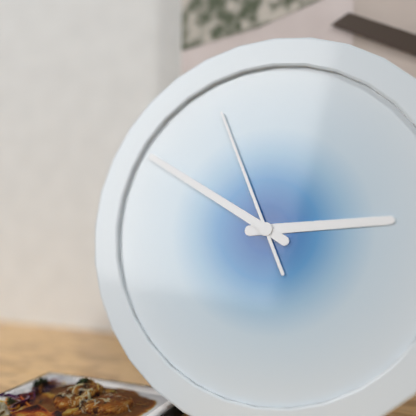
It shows 2,50,56
